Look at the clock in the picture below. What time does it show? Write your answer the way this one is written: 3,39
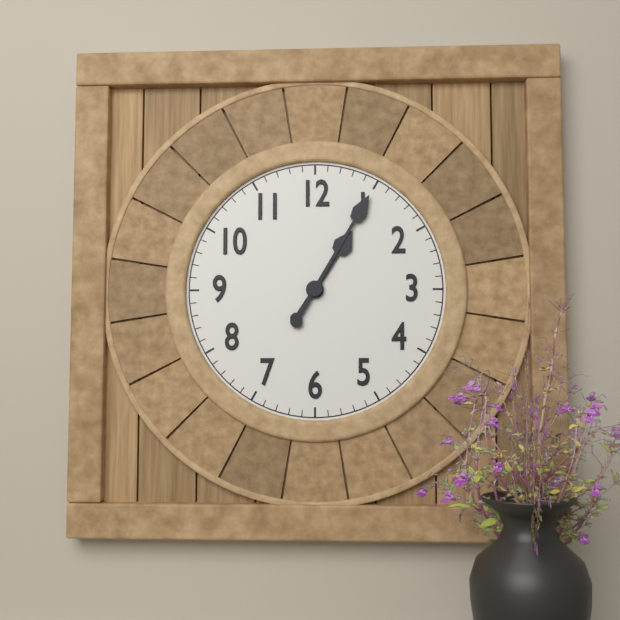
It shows 1,05
